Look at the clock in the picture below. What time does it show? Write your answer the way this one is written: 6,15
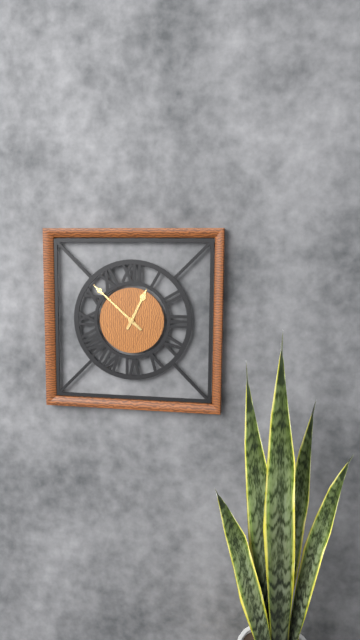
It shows 12,52
